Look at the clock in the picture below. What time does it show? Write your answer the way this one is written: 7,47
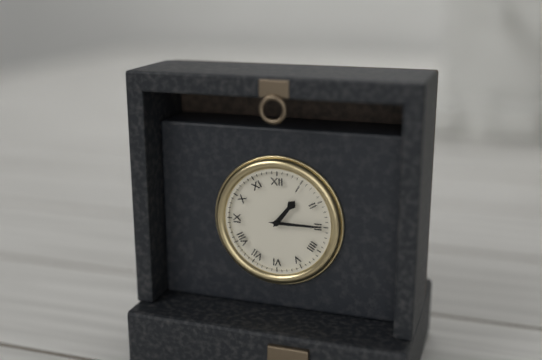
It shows 1,15
